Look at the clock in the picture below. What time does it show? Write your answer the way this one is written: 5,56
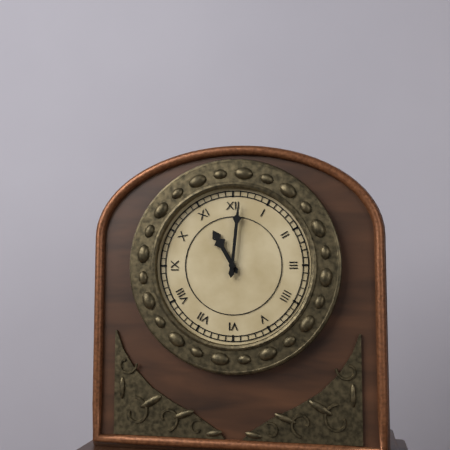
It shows 11,01
